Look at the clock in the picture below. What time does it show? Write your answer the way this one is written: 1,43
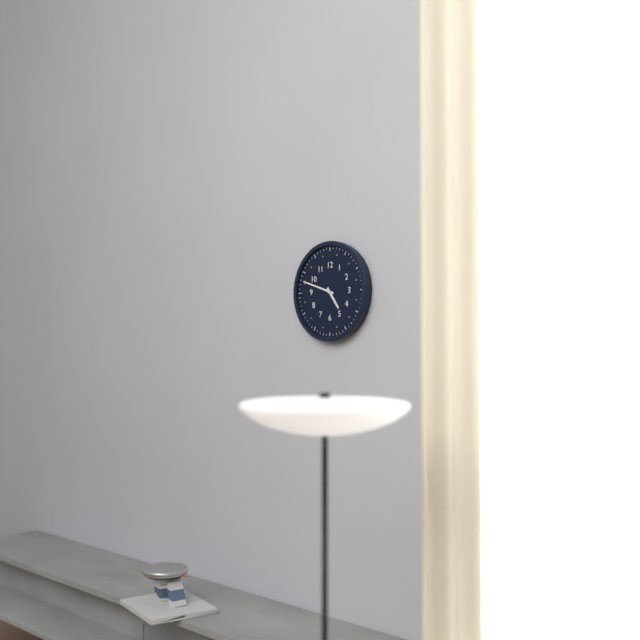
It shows 4,48
